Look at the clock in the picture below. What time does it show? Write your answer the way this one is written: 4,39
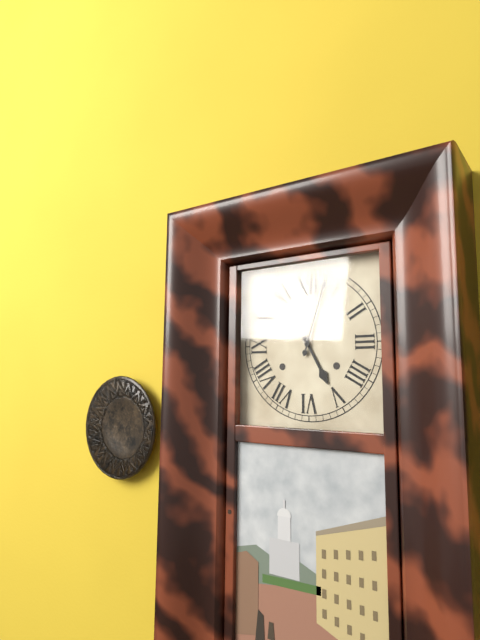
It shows 5,03
